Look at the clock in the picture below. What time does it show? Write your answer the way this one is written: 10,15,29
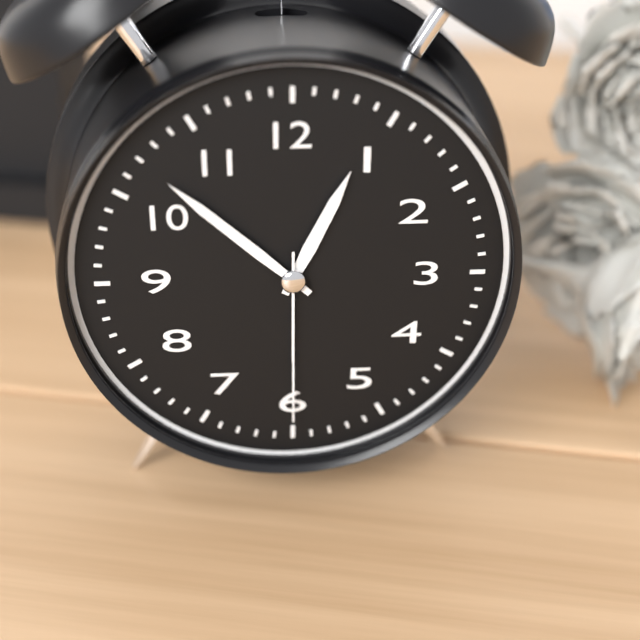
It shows 12,52,30
